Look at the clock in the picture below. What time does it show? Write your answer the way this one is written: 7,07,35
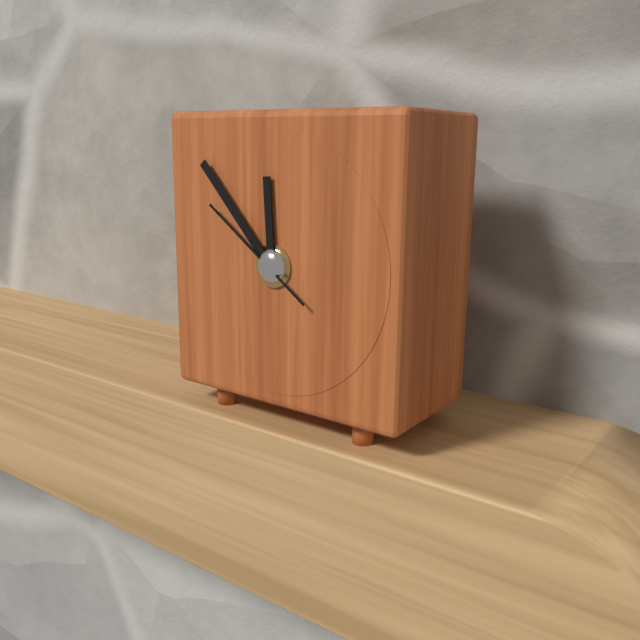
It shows 11,53,51
